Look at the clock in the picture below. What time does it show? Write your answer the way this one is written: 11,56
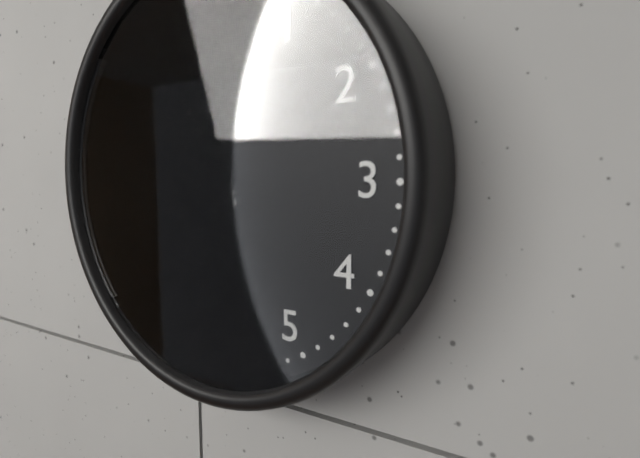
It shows 10,54
